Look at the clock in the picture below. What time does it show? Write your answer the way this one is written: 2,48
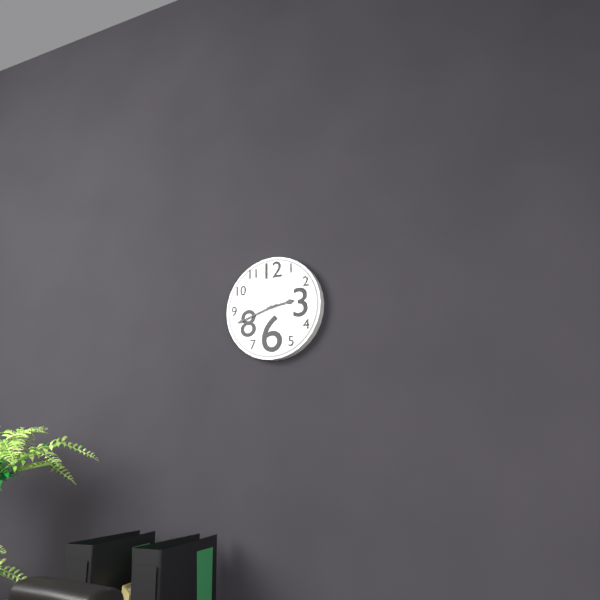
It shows 2,42
